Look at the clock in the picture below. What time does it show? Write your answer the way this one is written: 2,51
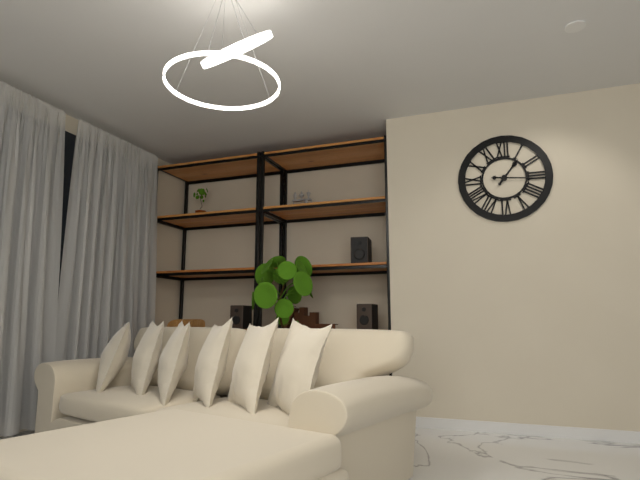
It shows 1,16
